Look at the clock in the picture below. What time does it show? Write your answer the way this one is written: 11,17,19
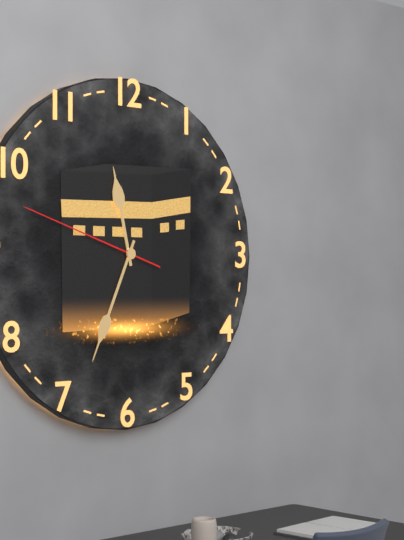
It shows 11,34,48
